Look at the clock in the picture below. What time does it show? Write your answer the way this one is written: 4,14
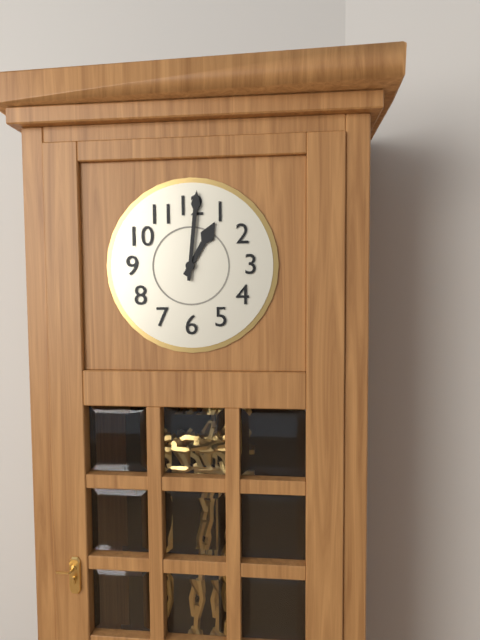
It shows 1,01
